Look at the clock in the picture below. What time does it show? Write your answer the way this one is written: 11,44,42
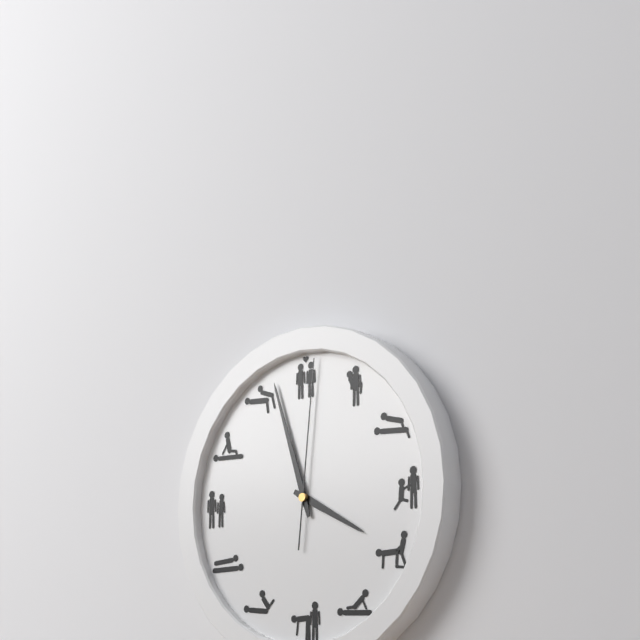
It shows 3,57,01
